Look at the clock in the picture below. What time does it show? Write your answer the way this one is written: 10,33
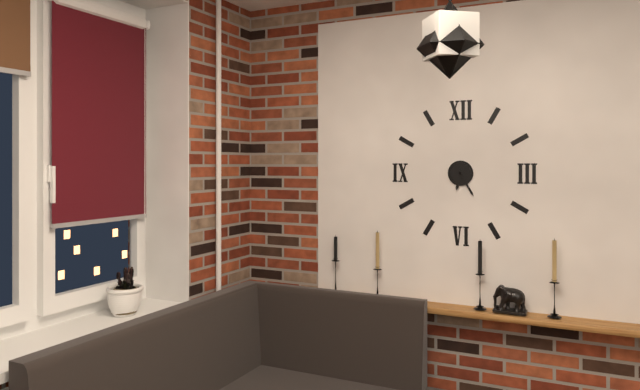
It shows 6,25
